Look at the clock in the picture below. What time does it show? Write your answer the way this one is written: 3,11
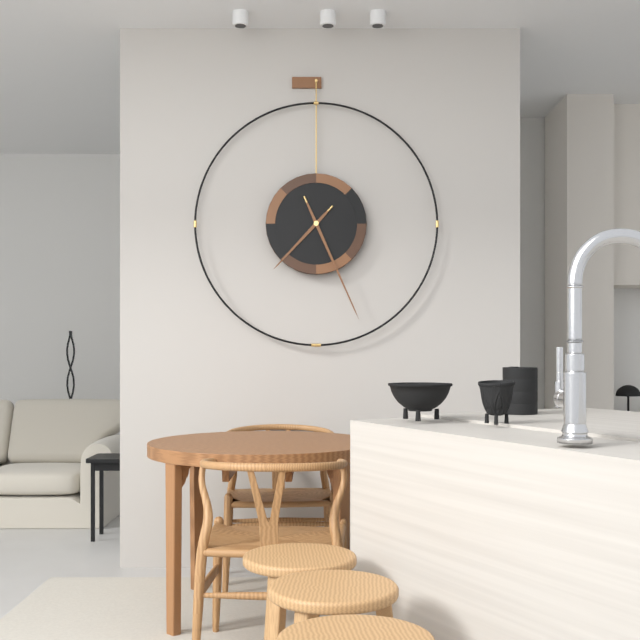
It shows 7,26
